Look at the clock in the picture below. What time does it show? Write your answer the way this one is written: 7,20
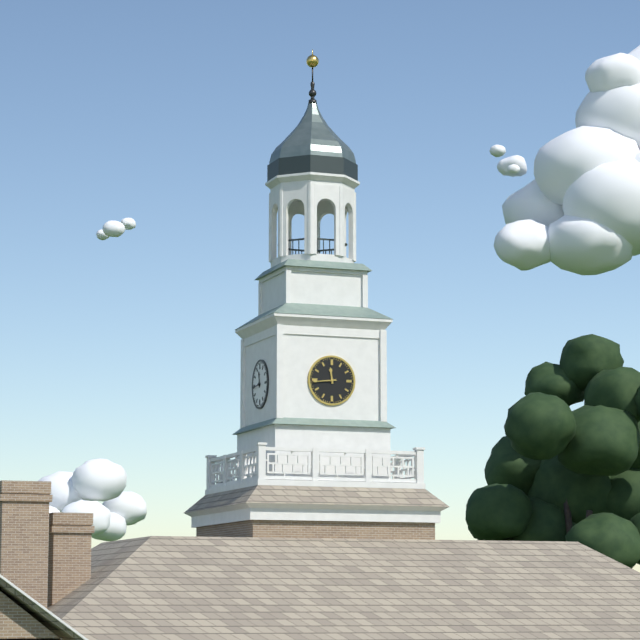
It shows 11,44
